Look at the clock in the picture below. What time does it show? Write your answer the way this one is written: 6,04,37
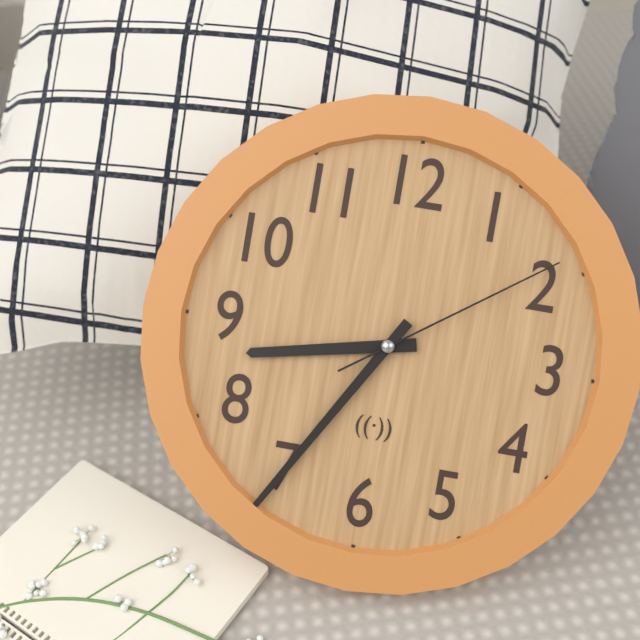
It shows 8,35,09
